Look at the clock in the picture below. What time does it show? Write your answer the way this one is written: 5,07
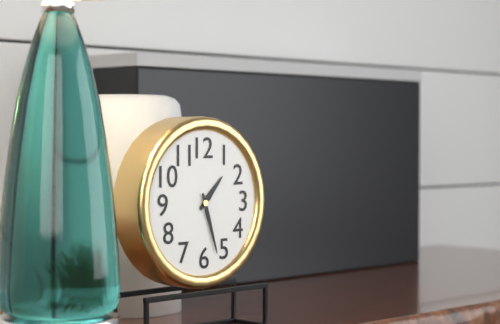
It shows 1,27
